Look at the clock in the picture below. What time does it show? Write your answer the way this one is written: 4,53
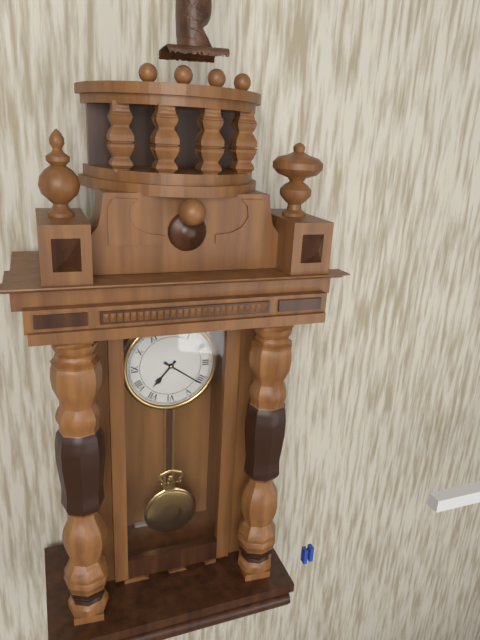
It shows 7,21
